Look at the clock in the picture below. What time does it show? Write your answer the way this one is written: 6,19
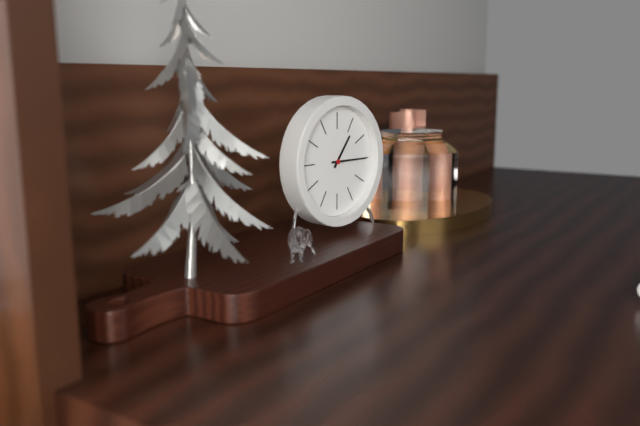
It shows 1,15
